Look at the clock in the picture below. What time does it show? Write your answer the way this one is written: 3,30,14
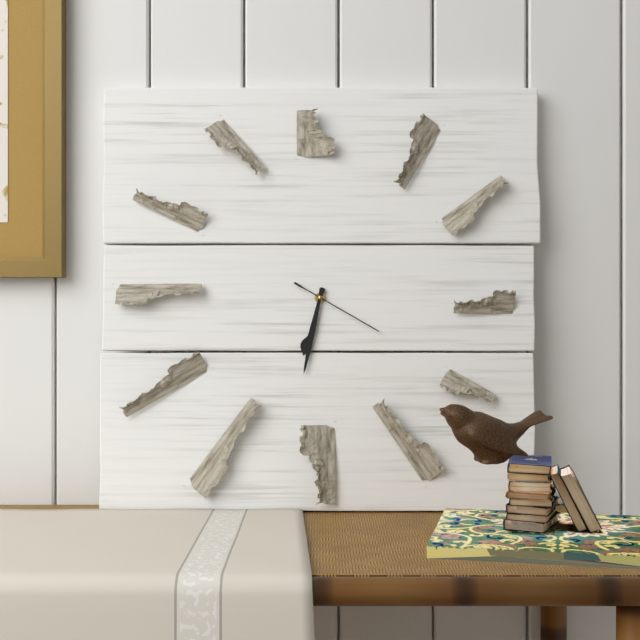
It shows 6,32,20
